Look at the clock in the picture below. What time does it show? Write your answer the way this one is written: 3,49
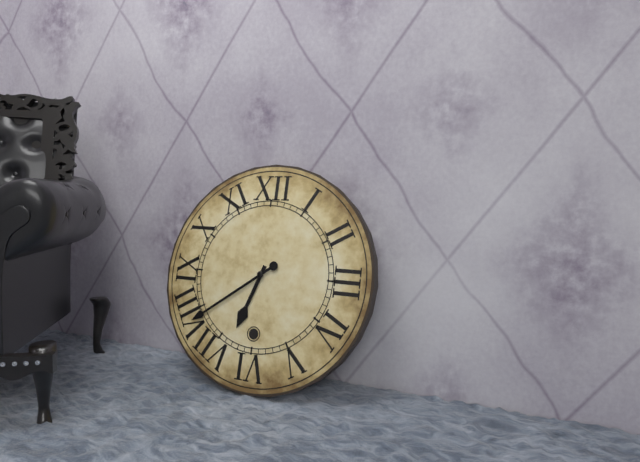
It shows 6,39
